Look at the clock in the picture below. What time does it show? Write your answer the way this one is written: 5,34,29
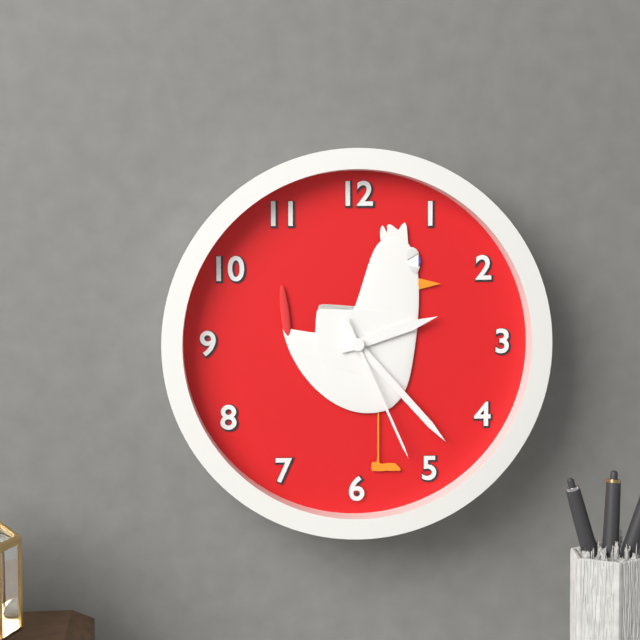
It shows 2,23,26
